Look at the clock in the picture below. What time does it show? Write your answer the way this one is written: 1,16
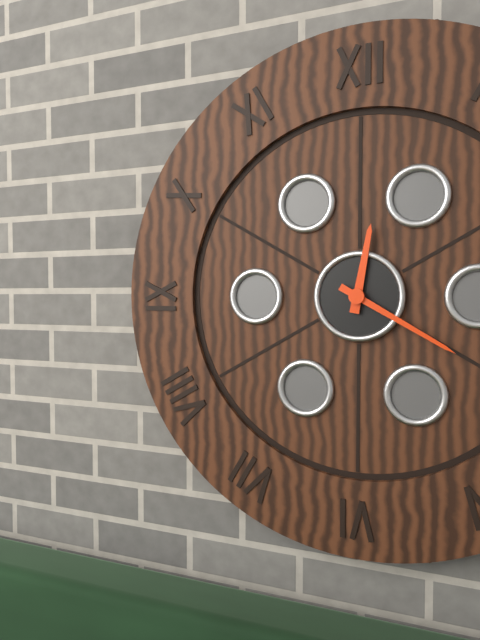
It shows 12,20
